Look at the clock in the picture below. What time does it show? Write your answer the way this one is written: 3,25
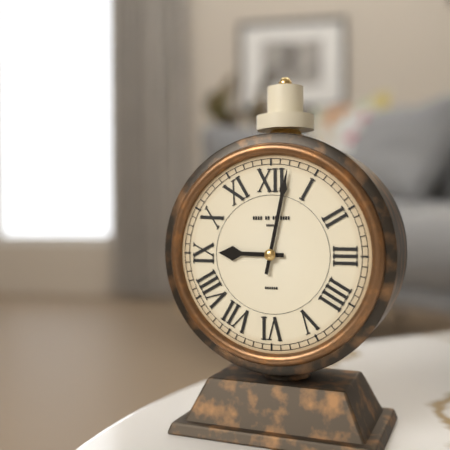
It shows 9,02
